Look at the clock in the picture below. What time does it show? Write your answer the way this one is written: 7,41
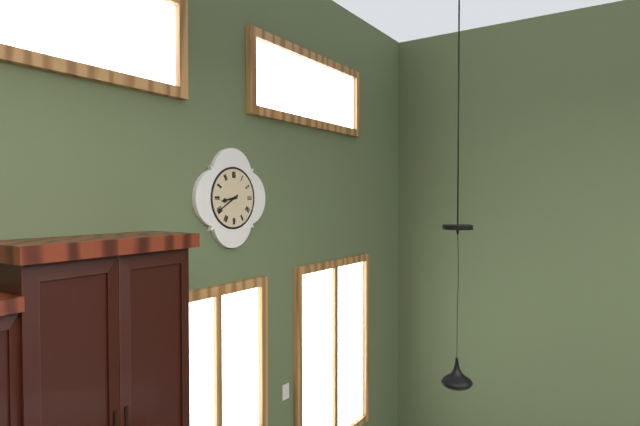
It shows 8,40
